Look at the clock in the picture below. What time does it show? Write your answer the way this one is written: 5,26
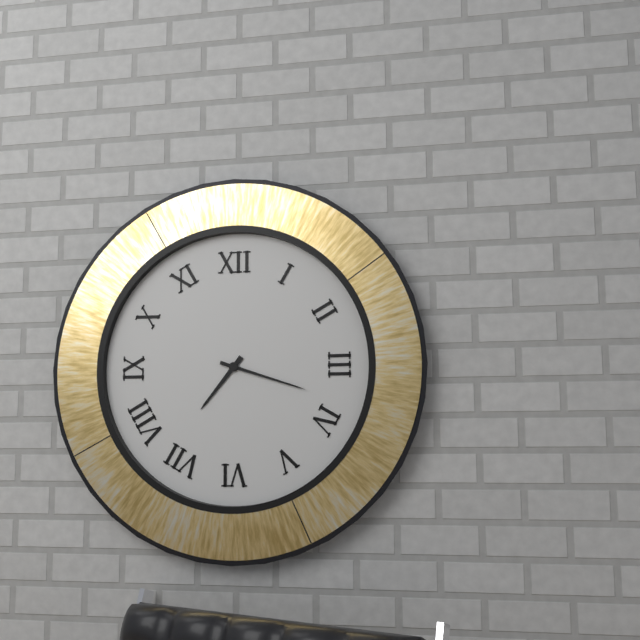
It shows 7,18
